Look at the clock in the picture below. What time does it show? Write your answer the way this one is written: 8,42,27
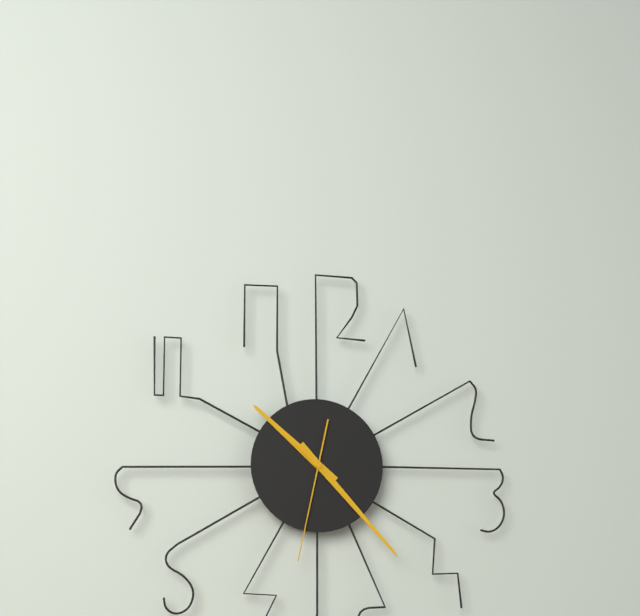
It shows 10,23,32
